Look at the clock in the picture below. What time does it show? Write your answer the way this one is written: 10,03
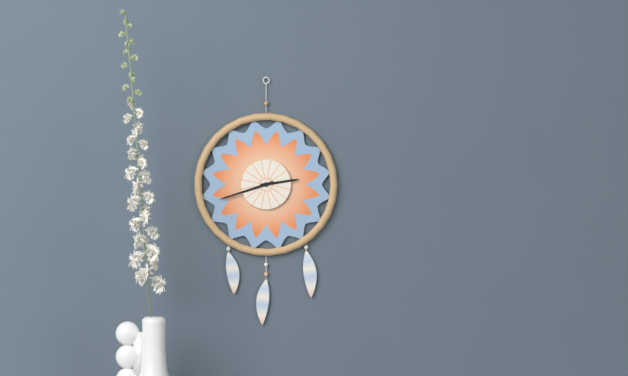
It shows 2,42
